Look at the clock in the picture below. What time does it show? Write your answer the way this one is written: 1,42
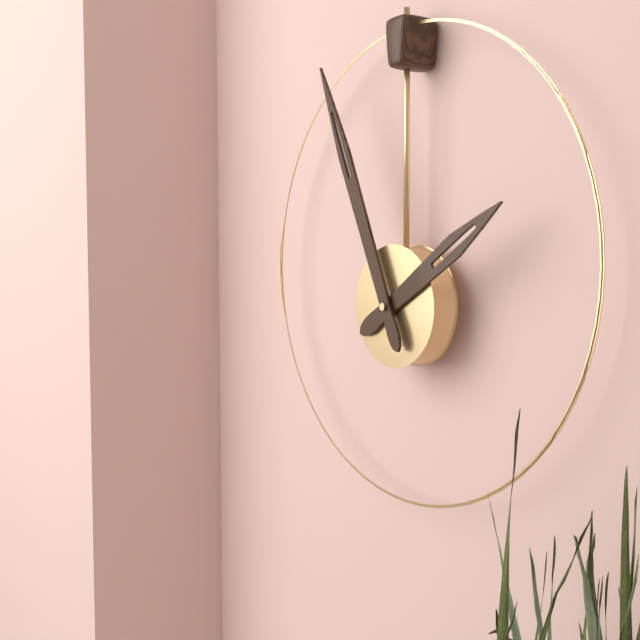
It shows 1,56
